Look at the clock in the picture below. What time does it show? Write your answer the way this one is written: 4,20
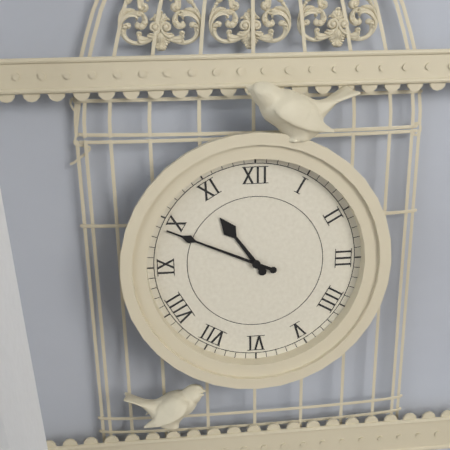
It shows 10,49
